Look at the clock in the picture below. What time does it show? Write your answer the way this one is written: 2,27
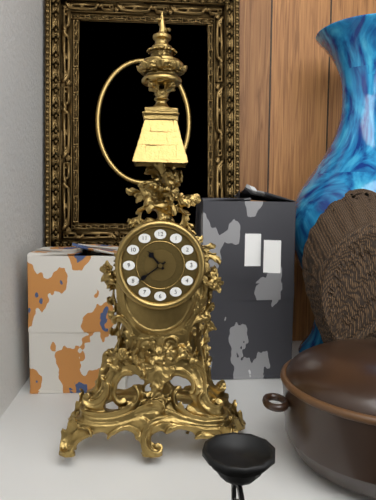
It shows 10,39
